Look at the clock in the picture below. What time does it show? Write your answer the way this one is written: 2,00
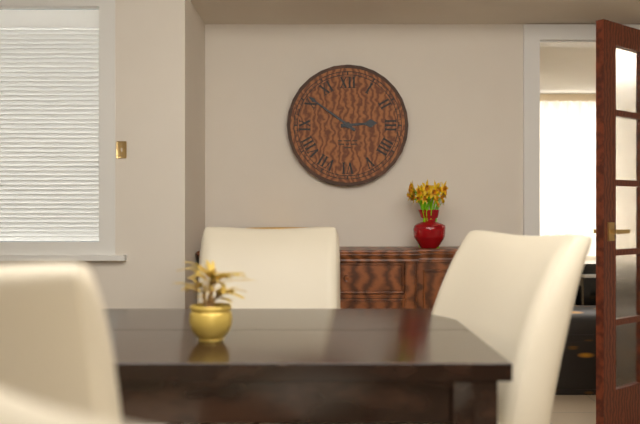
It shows 2,51
